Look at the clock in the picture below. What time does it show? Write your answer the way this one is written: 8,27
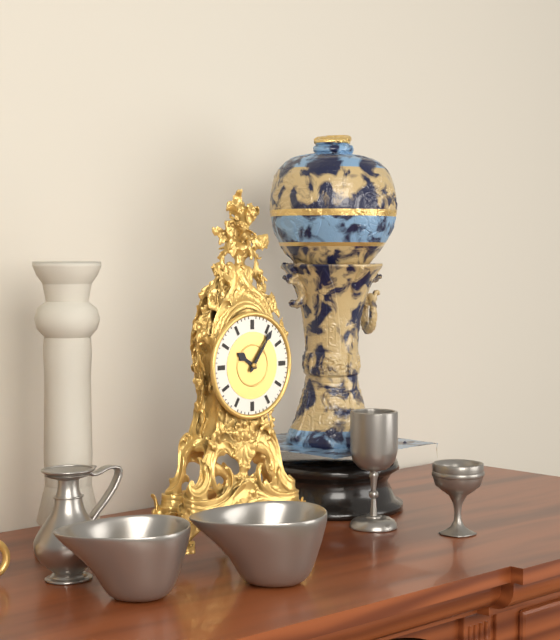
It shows 10,06
